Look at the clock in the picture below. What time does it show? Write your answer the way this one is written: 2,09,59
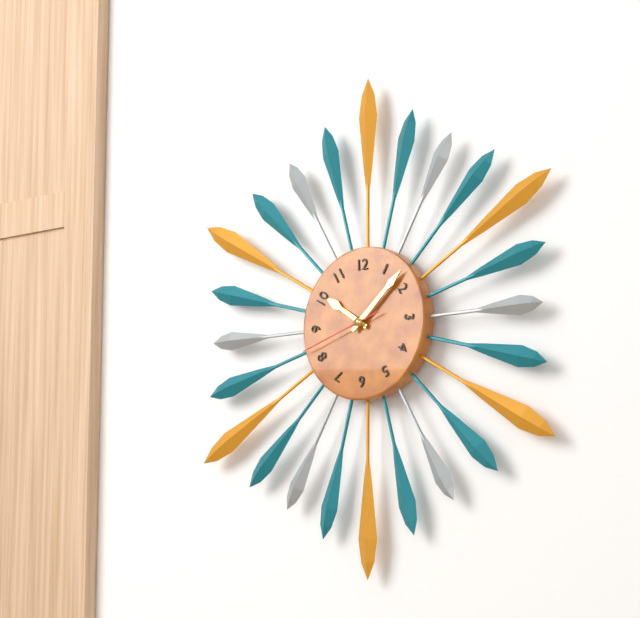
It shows 10,08,42
